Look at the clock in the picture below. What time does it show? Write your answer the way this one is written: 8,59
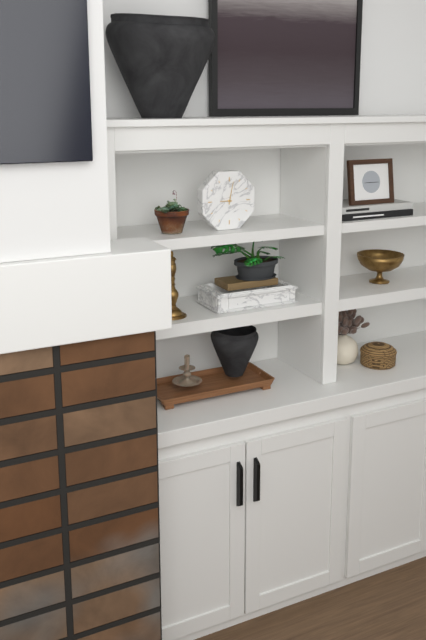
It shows 9,02
